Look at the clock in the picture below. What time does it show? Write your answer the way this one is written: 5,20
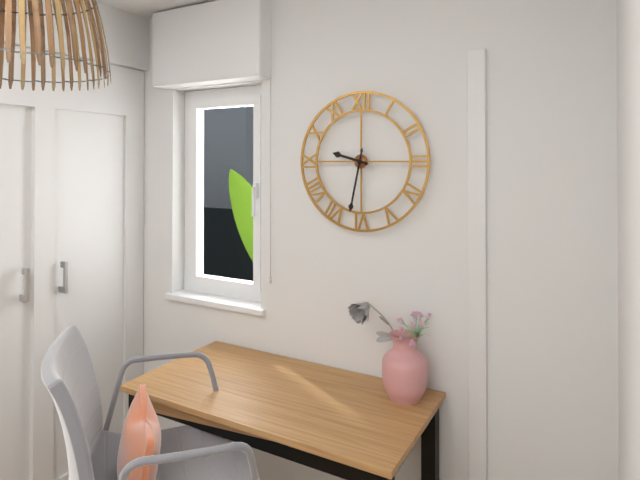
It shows 9,32
